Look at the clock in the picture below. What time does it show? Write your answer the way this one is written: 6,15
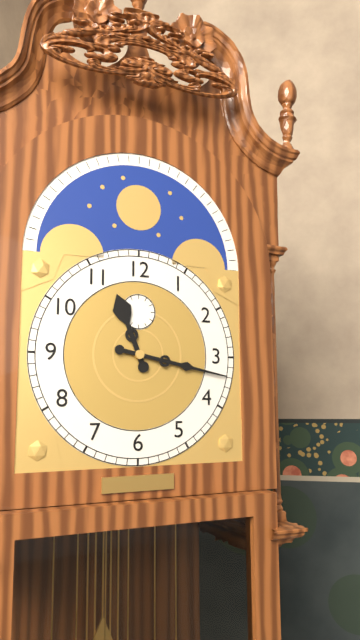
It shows 11,17
